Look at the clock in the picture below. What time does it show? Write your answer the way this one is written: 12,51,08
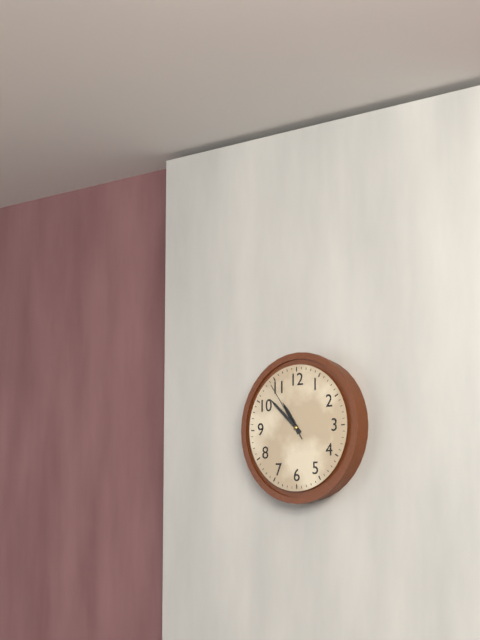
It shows 10,52,54
